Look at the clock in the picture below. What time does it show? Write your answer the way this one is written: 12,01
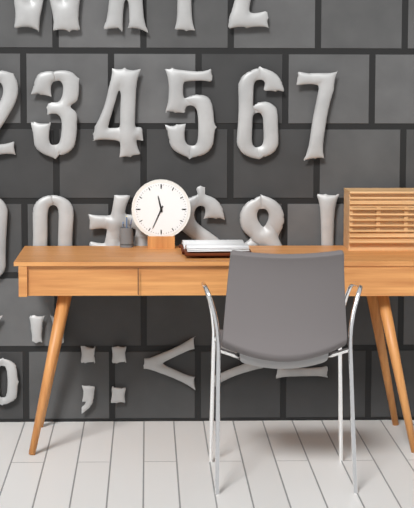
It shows 11,34
